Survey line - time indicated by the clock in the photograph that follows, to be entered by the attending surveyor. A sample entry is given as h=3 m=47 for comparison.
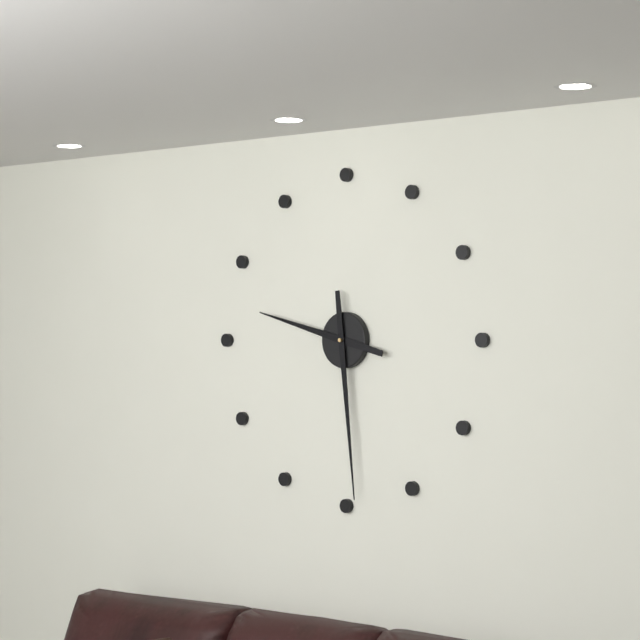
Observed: h=9 m=29
